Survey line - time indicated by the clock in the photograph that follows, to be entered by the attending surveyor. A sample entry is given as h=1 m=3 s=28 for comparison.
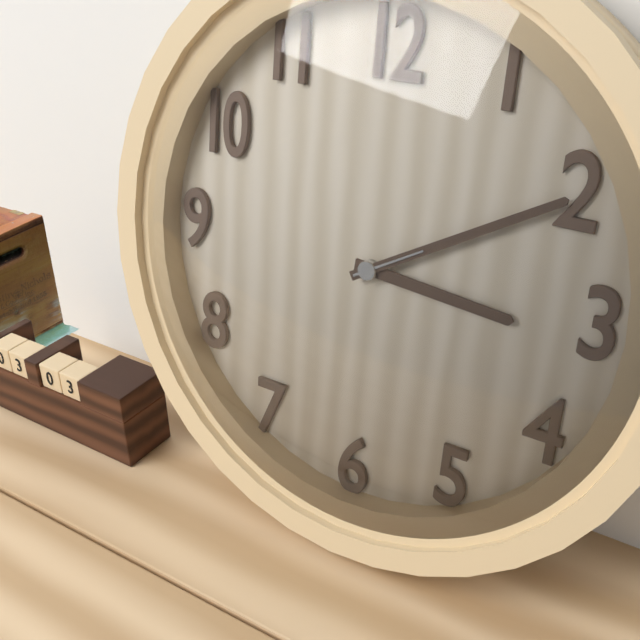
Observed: h=3 m=10 s=10
